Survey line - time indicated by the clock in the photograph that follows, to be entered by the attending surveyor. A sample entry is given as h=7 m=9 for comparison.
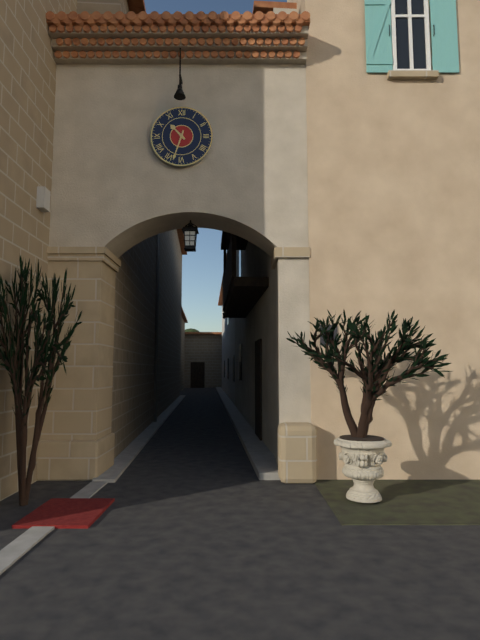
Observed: h=10 m=33
